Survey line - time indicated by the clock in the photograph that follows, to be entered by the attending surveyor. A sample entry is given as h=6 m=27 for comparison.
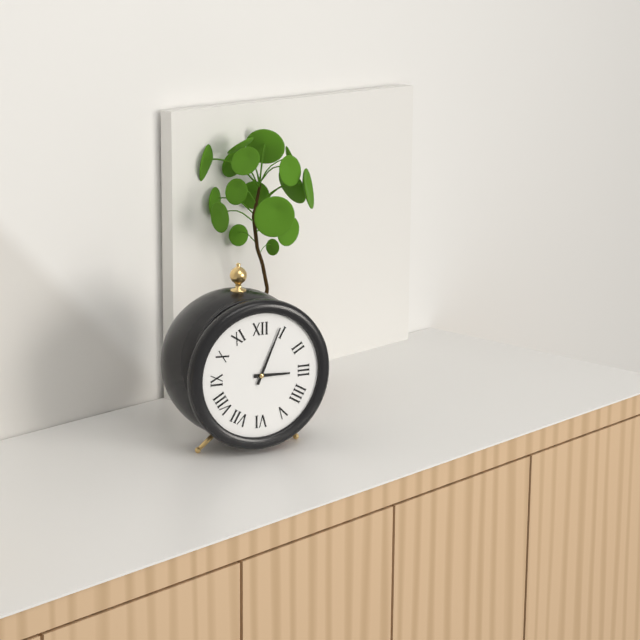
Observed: h=3 m=4
